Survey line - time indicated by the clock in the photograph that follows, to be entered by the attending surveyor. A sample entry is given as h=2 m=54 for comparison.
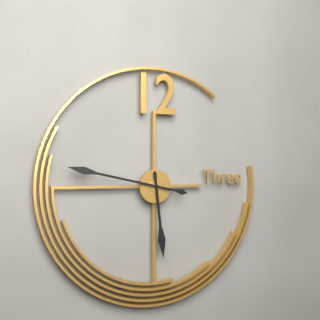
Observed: h=5 m=47
